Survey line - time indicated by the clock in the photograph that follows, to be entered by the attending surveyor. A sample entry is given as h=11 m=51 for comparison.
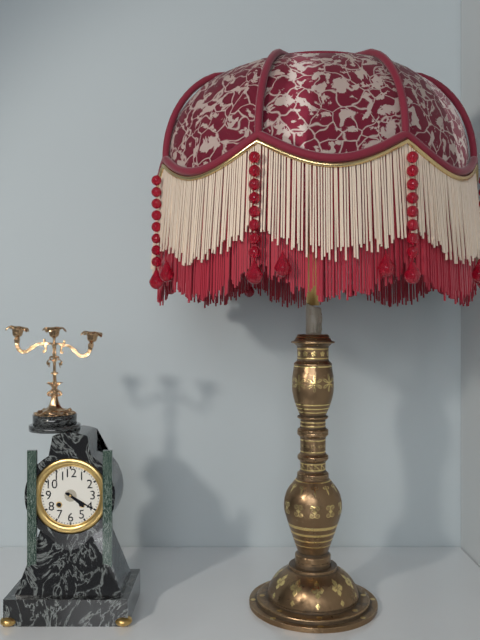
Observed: h=4 m=20
